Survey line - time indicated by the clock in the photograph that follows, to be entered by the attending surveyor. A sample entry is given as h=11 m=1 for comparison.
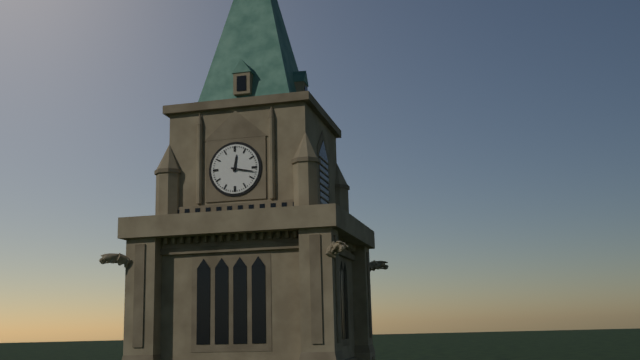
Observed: h=12 m=17
